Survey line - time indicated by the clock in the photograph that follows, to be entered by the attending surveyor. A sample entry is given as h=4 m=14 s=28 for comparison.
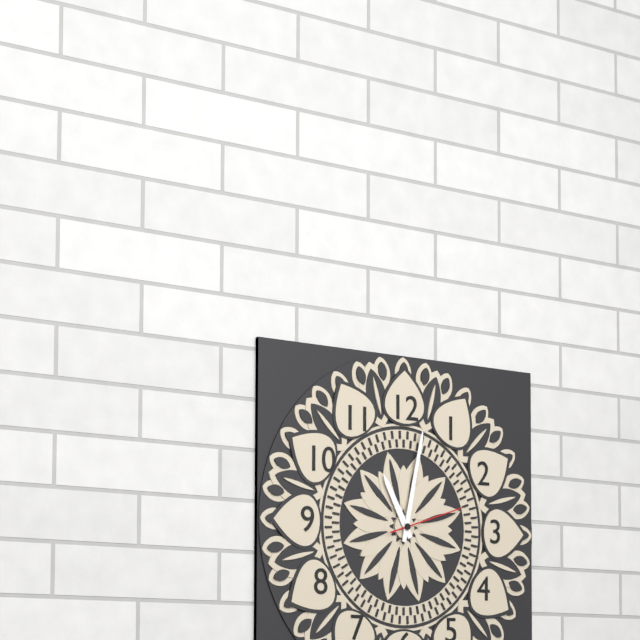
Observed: h=11 m=2 s=12
